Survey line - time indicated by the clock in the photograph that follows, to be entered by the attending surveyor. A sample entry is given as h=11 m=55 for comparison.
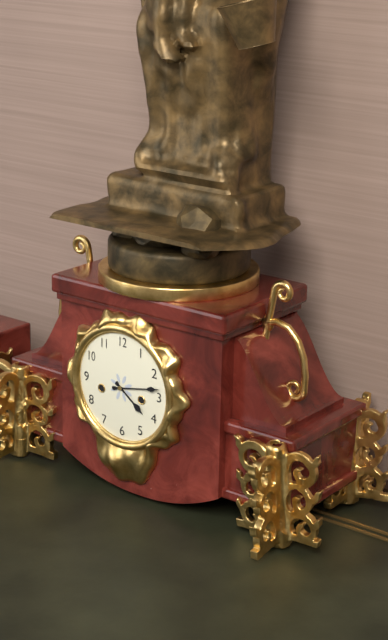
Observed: h=4 m=13
